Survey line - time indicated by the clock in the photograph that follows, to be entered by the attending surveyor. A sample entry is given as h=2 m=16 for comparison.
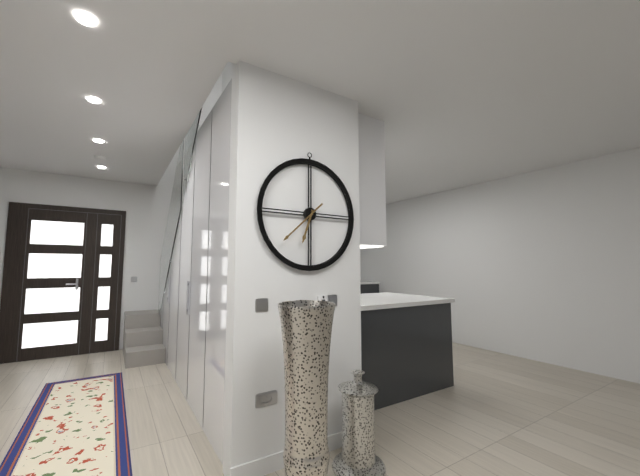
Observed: h=6 m=38
